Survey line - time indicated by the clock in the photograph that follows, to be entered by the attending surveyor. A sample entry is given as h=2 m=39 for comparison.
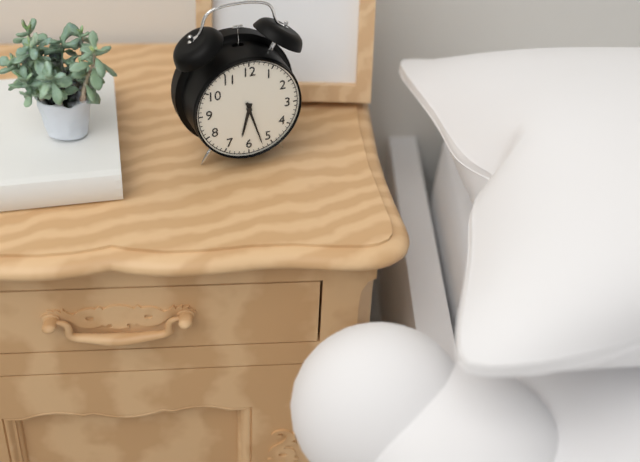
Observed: h=6 m=27
